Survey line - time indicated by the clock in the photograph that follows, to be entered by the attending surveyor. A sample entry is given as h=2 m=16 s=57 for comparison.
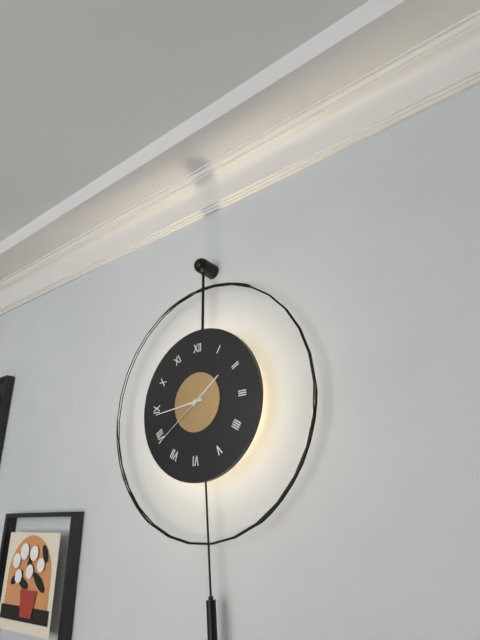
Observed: h=1 m=44 s=39
